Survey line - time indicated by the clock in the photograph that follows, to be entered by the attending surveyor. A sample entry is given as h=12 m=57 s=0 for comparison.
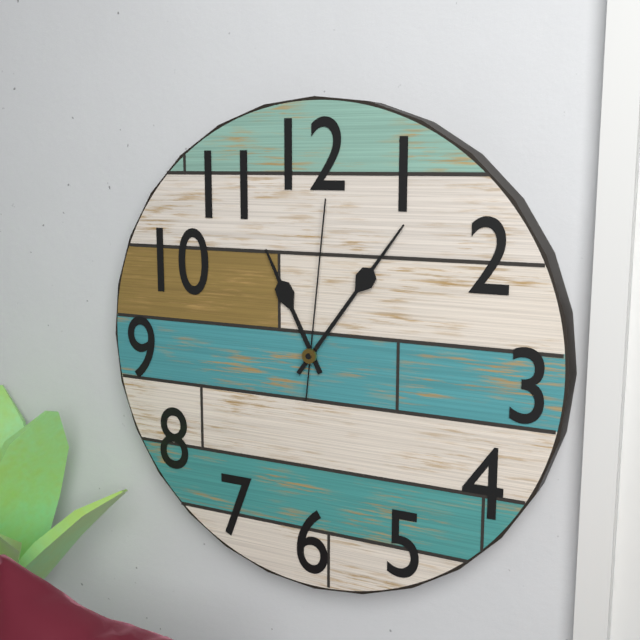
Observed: h=11 m=6 s=1
